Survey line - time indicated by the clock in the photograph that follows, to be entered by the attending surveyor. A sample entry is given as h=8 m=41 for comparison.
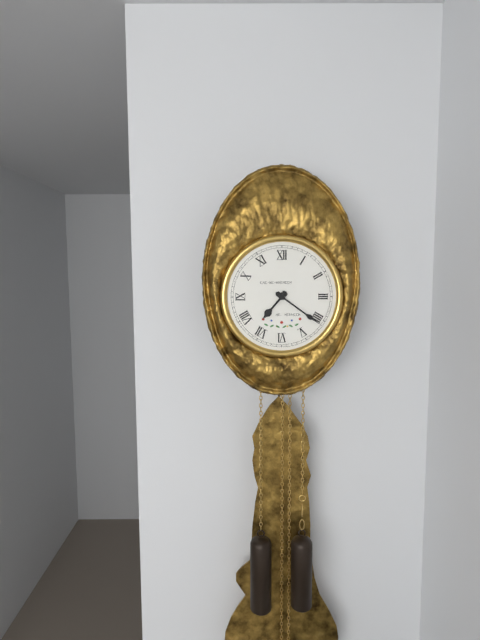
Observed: h=7 m=21
